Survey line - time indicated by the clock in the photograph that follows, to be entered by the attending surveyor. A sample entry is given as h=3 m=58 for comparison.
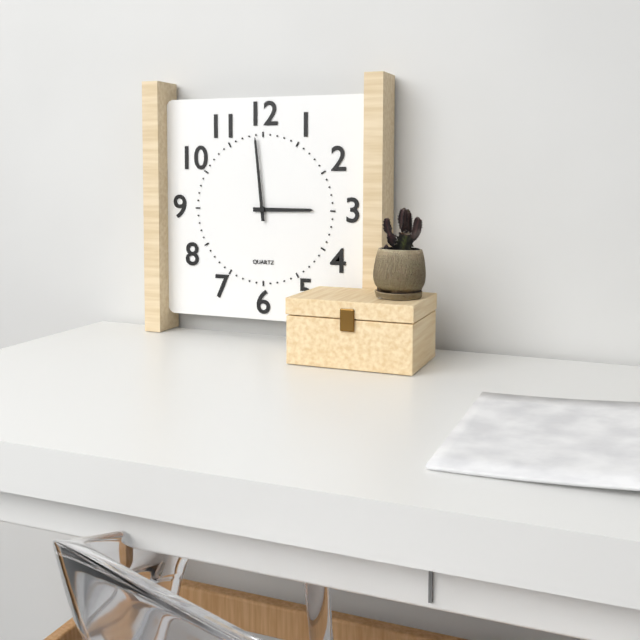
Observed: h=2 m=59
